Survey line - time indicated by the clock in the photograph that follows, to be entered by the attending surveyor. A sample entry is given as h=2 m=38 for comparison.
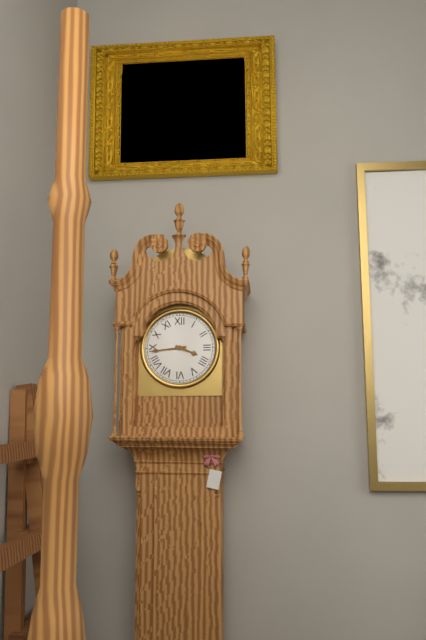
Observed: h=3 m=44
